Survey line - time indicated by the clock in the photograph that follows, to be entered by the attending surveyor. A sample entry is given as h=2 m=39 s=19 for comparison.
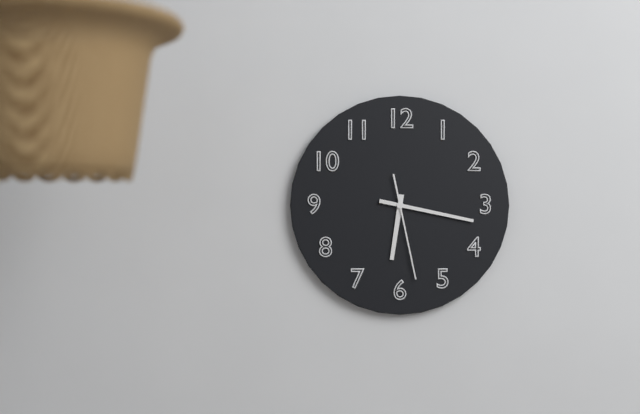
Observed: h=6 m=17 s=28
